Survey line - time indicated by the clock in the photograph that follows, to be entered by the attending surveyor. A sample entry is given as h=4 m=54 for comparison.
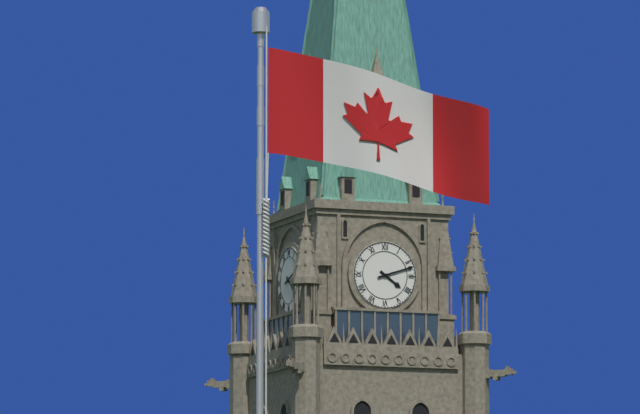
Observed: h=4 m=12
